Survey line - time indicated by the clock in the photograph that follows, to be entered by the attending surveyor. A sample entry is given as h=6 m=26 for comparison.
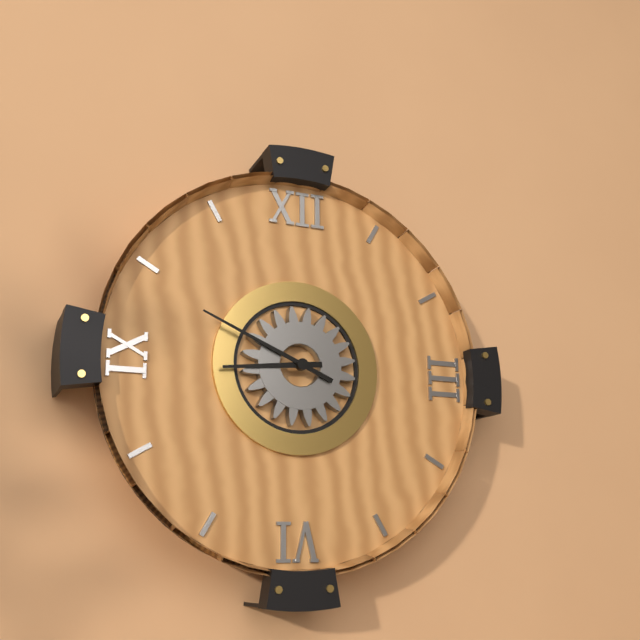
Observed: h=8 m=49
